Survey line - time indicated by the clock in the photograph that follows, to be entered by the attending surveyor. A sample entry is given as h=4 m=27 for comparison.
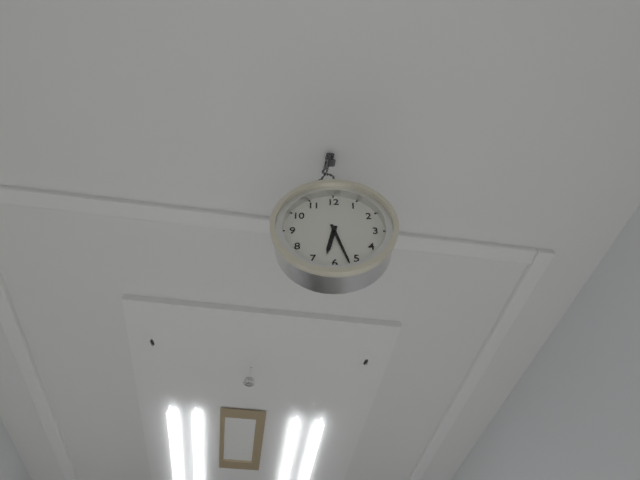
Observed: h=6 m=27
